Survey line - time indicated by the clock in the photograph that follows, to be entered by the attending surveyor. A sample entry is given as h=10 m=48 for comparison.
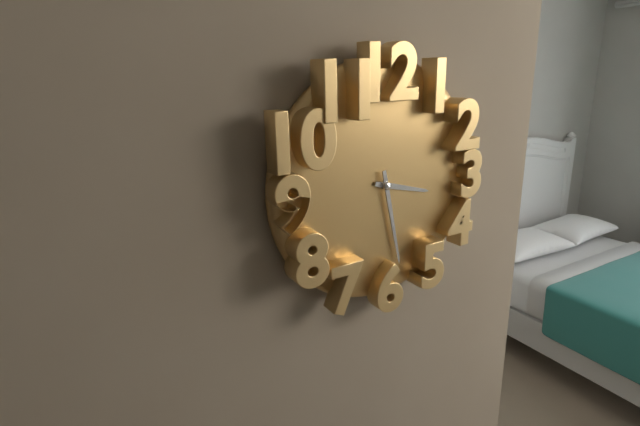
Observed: h=3 m=28
